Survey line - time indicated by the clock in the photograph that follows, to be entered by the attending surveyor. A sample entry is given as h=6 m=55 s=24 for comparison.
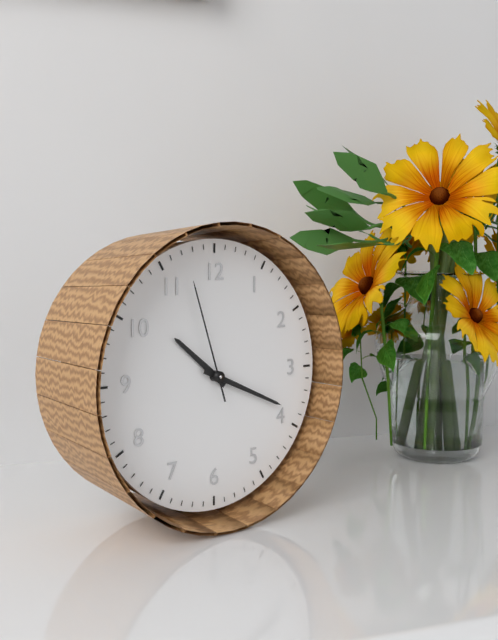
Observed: h=10 m=19 s=57
